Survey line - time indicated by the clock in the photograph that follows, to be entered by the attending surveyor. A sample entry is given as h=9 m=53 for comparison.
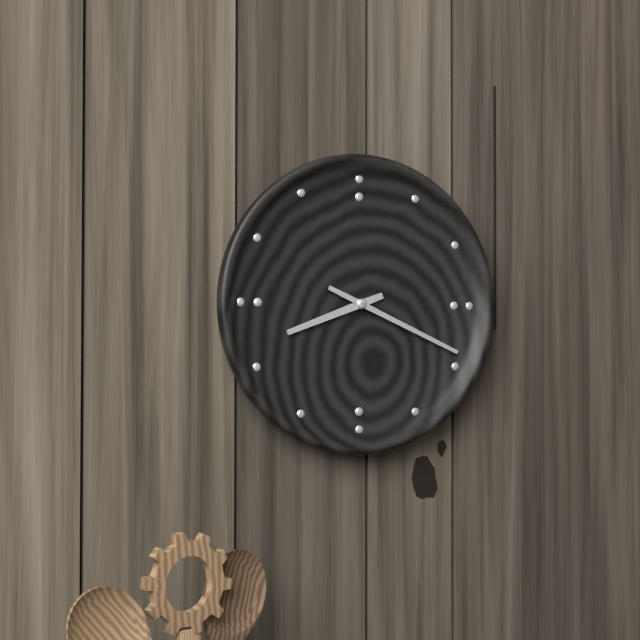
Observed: h=8 m=19
